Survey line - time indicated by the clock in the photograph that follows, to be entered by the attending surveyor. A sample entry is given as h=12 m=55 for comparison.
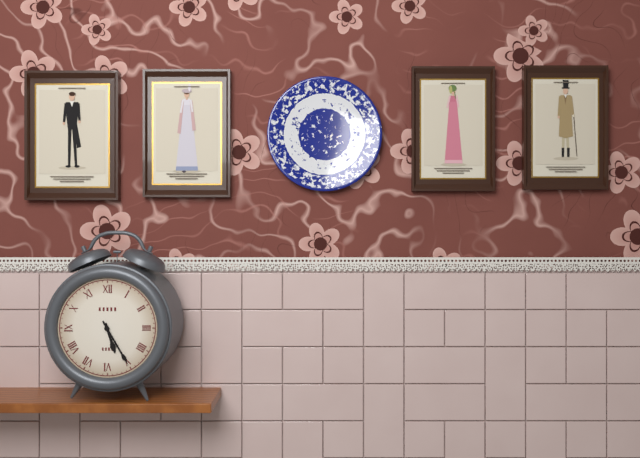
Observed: h=5 m=25
